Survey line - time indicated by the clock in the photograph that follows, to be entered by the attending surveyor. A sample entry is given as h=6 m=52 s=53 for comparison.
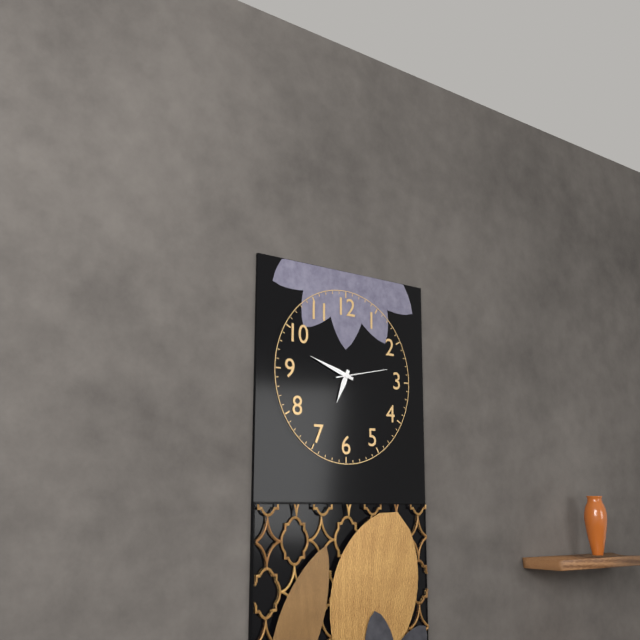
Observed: h=6 m=48 s=13
